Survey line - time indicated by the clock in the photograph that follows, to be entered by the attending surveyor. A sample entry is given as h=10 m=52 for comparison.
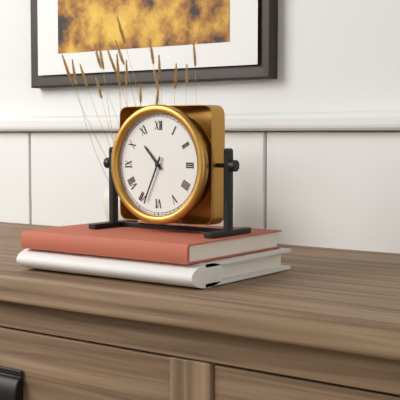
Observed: h=10 m=34
